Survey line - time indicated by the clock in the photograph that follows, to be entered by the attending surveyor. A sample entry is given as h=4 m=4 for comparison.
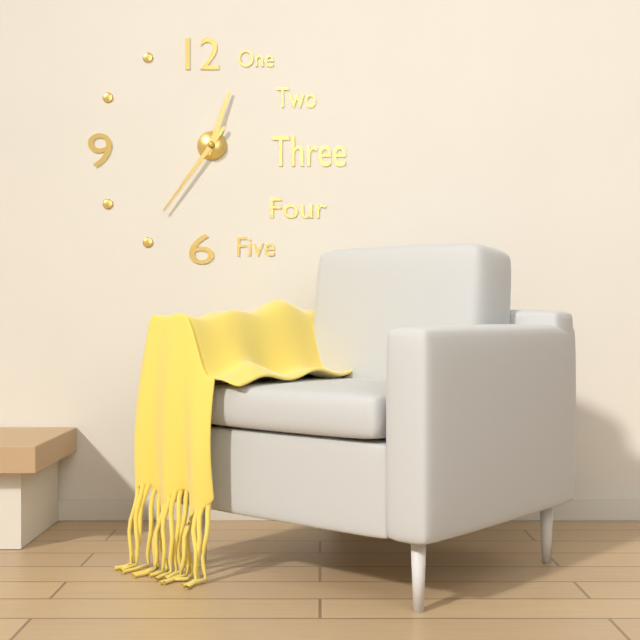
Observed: h=12 m=36
